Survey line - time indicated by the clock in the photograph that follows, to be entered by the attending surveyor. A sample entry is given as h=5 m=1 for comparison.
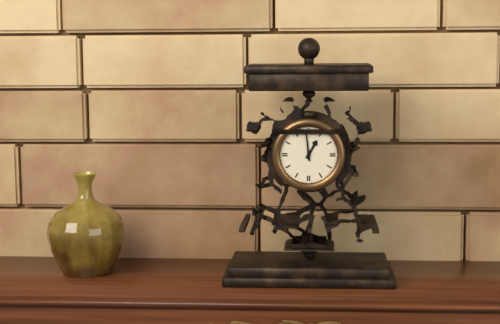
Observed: h=12 m=59
